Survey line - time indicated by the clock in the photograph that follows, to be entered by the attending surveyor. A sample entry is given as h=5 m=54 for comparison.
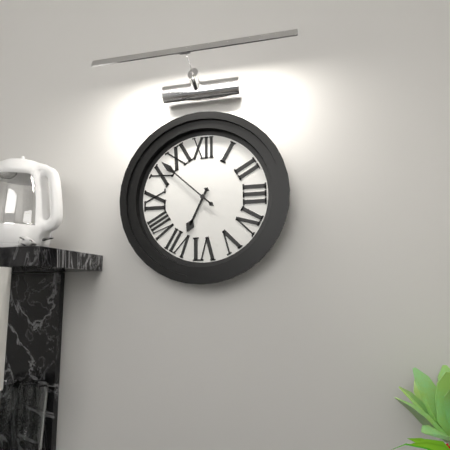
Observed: h=6 m=52
